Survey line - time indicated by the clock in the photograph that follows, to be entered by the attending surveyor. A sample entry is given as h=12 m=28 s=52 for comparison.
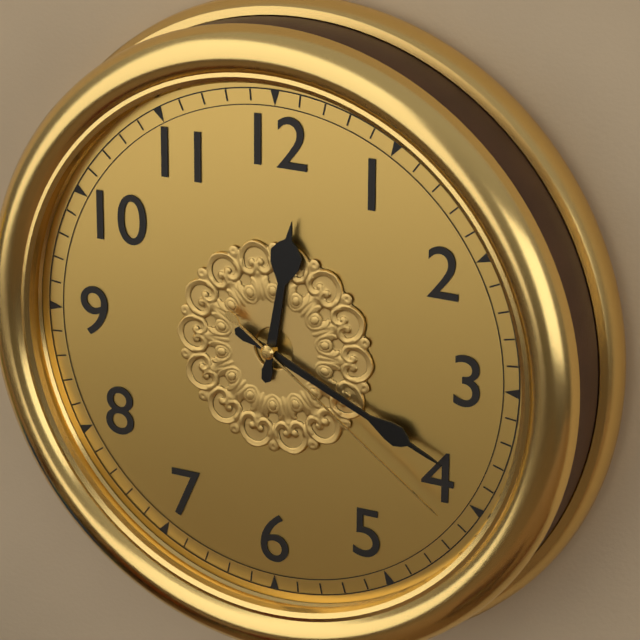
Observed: h=12 m=19 s=21
